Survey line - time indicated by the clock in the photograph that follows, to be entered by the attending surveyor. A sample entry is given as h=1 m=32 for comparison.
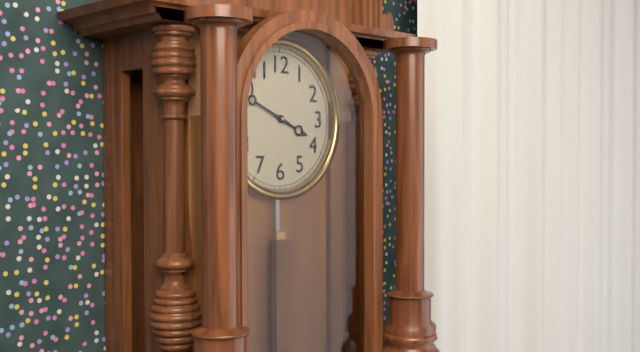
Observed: h=3 m=49
